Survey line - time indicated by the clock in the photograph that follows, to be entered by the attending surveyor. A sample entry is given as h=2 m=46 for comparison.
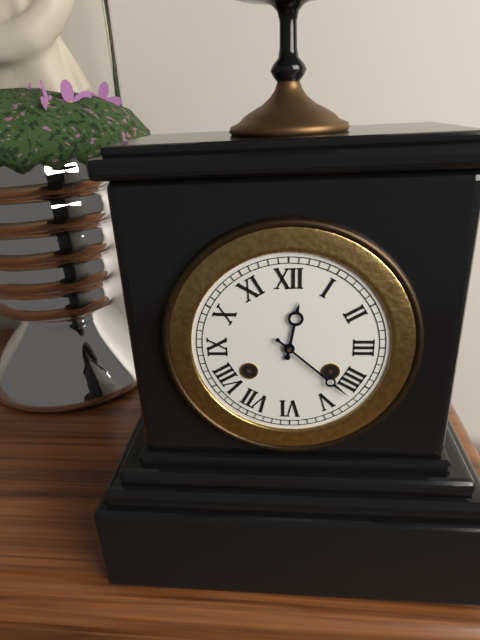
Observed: h=12 m=22
